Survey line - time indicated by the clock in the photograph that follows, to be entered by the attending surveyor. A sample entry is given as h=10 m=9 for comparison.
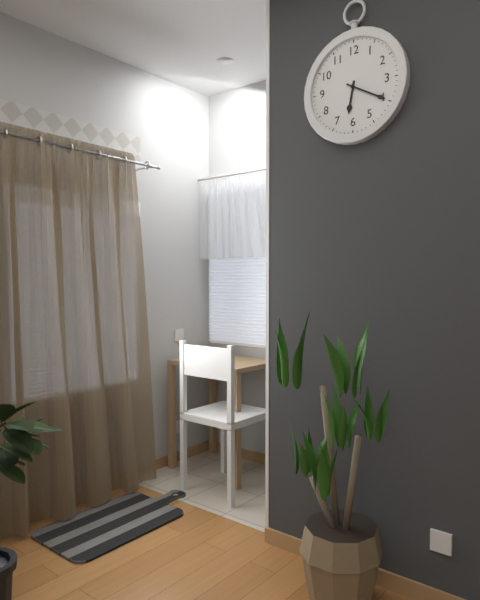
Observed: h=6 m=20
